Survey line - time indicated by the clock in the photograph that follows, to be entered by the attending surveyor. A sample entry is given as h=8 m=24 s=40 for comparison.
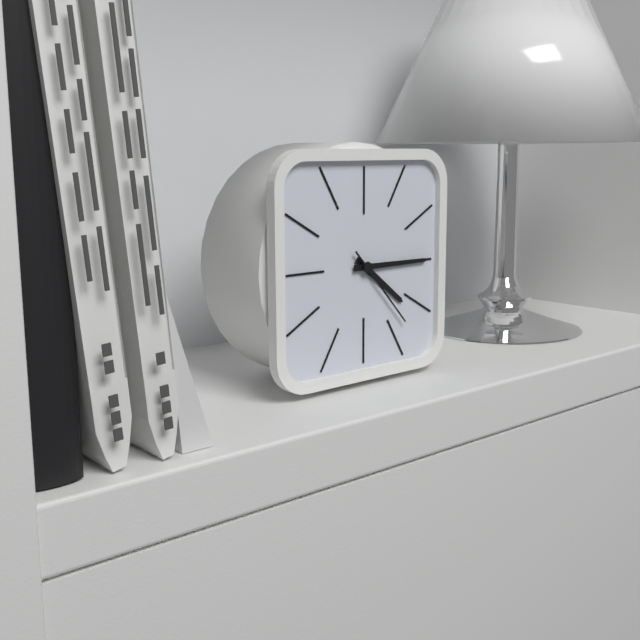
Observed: h=4 m=15 s=23
